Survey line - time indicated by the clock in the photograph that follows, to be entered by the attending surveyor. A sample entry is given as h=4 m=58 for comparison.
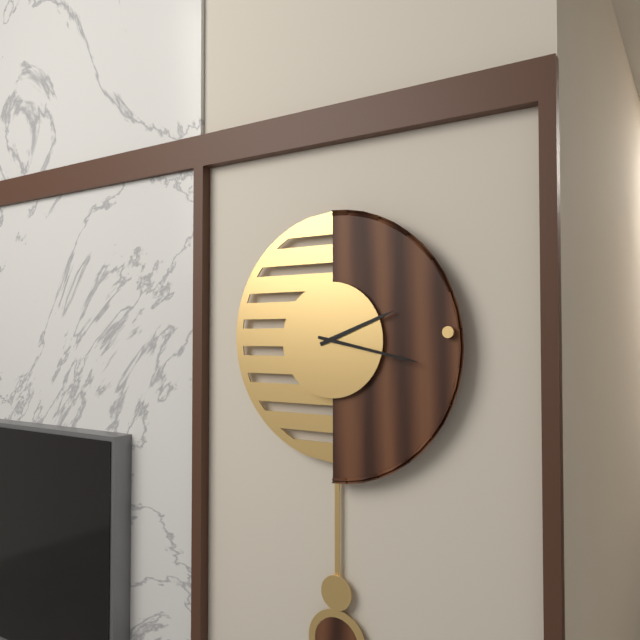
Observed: h=2 m=17
